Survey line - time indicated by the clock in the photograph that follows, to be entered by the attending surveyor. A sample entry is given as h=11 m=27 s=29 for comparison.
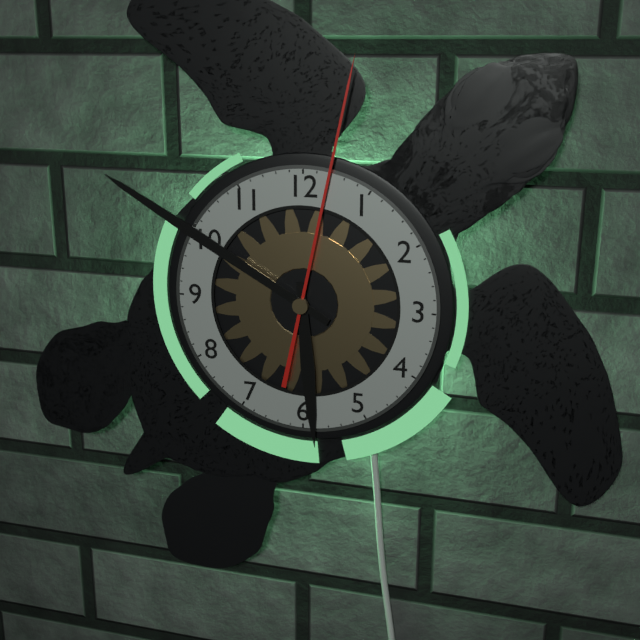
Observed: h=5 m=50 s=2
